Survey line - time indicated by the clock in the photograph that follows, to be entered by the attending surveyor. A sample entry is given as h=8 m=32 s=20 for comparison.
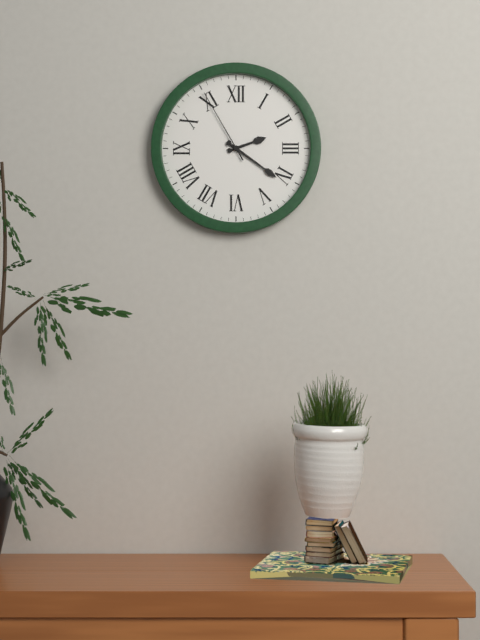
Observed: h=2 m=21 s=55
